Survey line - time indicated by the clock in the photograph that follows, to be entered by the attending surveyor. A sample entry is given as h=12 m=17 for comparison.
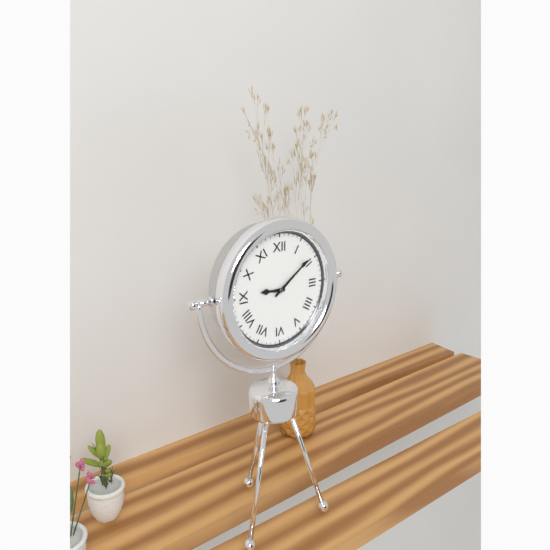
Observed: h=9 m=9
